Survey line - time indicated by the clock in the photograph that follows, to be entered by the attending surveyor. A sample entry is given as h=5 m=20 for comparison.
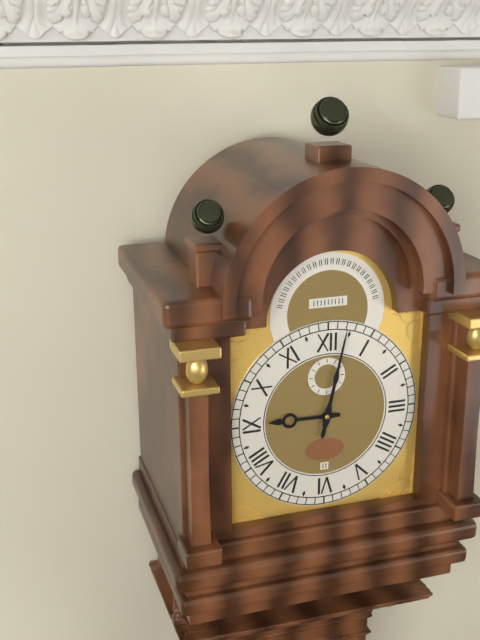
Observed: h=9 m=2
